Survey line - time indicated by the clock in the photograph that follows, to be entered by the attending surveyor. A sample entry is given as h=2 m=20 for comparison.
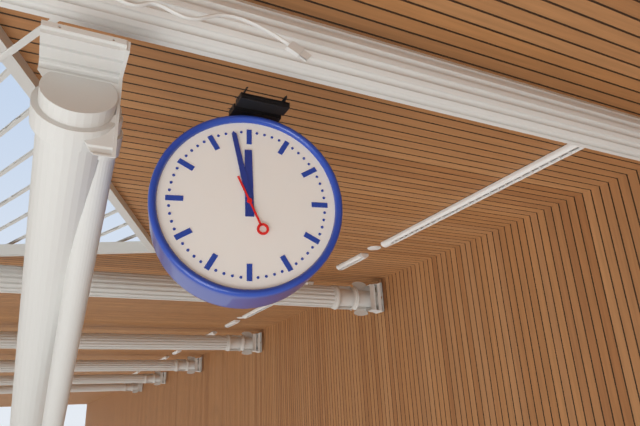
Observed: h=11 m=58
